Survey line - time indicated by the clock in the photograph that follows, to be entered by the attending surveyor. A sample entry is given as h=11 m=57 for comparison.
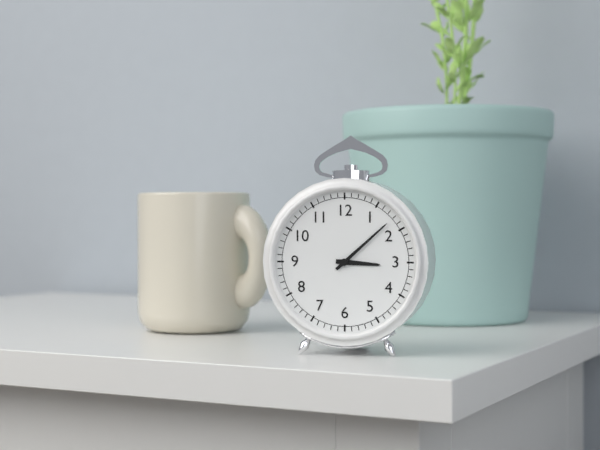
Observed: h=3 m=8
